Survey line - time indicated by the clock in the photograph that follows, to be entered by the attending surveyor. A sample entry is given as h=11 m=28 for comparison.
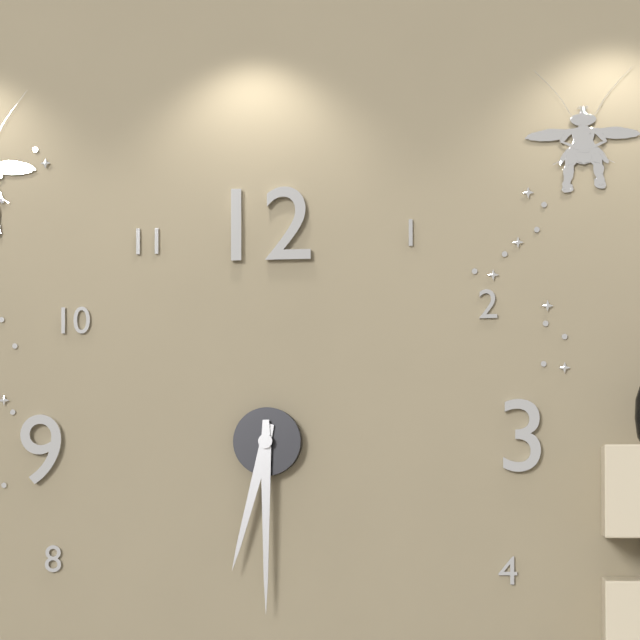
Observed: h=6 m=30
